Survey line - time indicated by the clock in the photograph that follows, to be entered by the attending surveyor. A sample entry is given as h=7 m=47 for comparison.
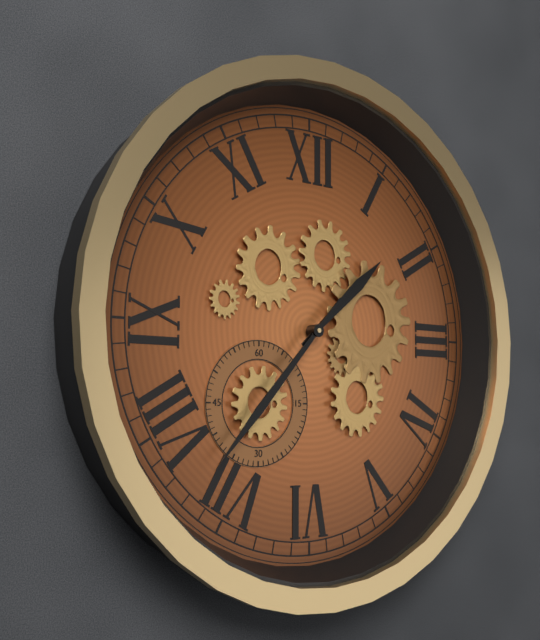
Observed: h=1 m=37
